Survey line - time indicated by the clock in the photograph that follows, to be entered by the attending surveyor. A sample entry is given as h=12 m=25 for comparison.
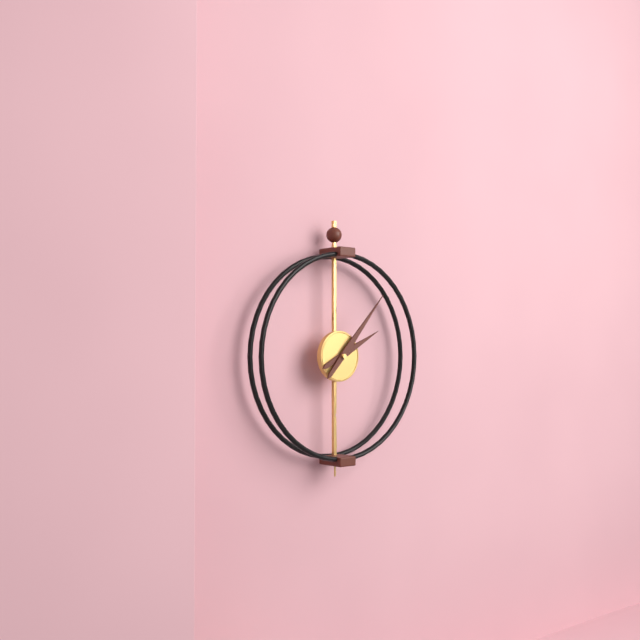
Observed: h=2 m=7
